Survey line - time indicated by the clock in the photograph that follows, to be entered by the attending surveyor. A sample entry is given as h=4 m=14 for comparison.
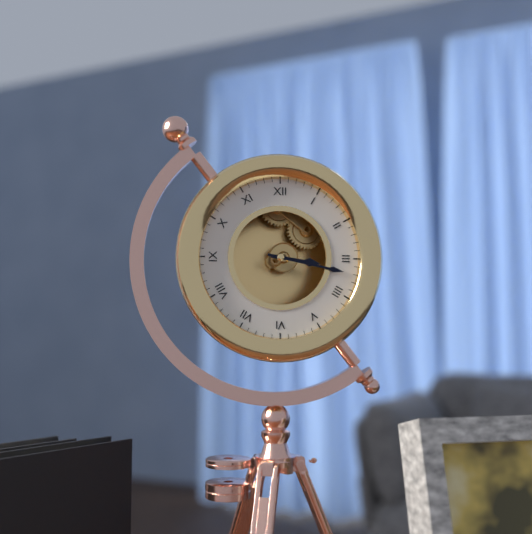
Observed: h=3 m=17
